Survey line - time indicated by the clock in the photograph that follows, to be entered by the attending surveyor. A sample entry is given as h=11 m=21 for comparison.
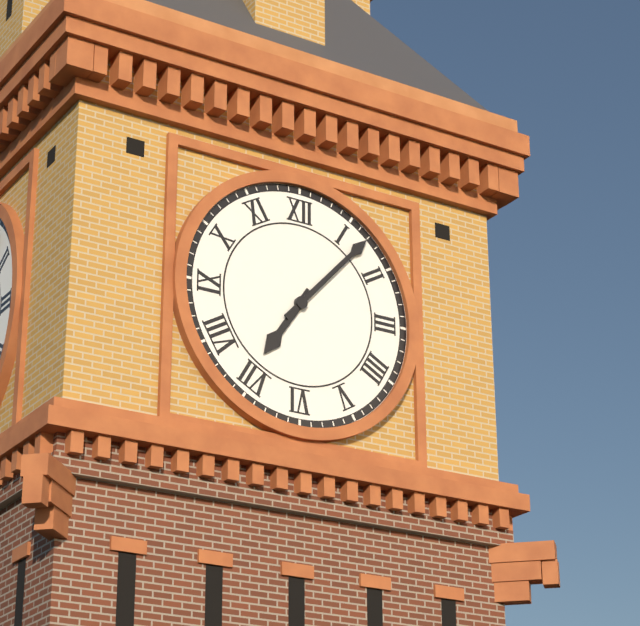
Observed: h=7 m=7
